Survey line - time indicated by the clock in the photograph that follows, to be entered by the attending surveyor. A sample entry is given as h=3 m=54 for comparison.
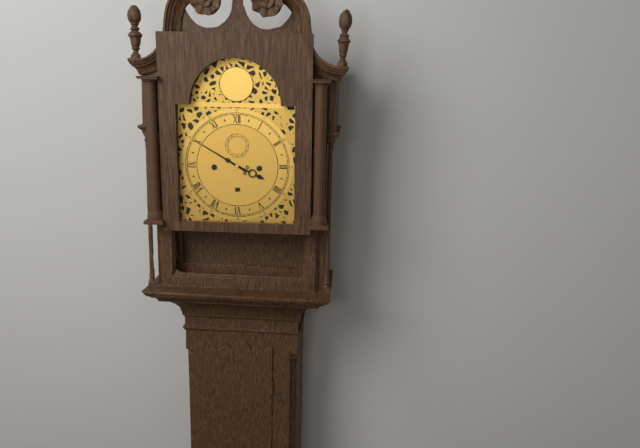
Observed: h=3 m=50
